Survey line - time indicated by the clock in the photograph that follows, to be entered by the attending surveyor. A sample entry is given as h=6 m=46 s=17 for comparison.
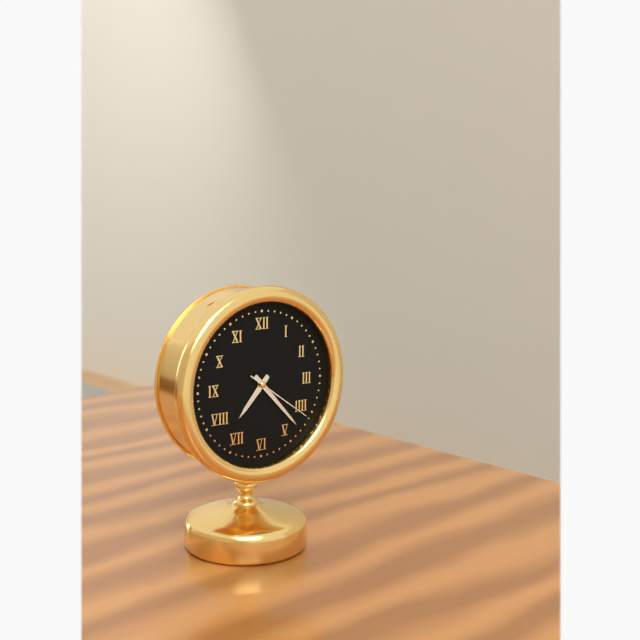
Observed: h=7 m=23 s=21
